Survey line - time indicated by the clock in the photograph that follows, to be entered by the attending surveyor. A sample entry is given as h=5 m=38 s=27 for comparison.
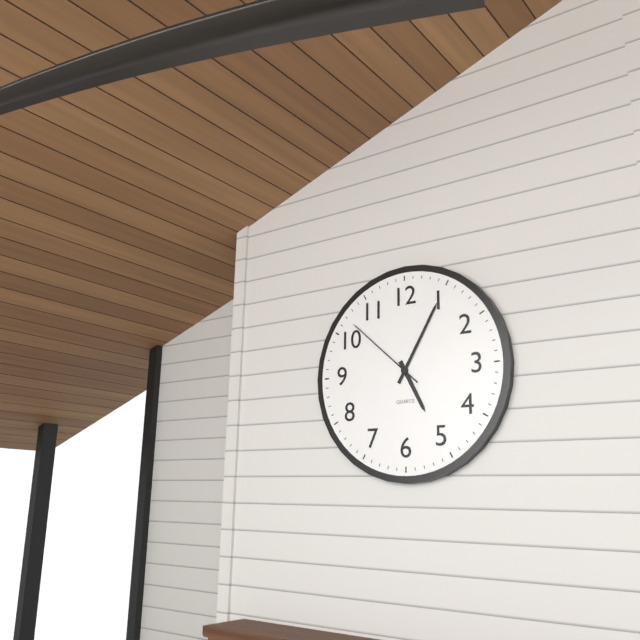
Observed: h=5 m=5 s=52
